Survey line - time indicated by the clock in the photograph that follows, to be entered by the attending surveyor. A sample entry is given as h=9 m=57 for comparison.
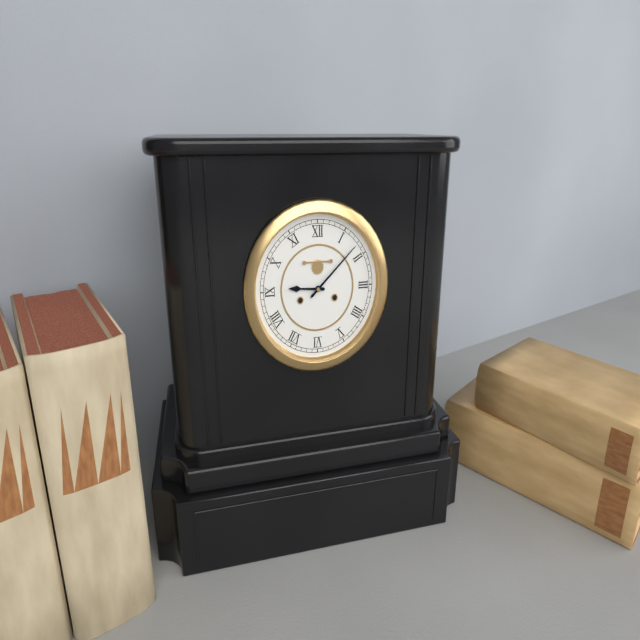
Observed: h=9 m=8
